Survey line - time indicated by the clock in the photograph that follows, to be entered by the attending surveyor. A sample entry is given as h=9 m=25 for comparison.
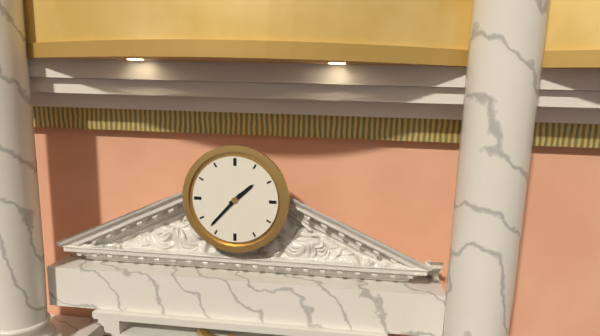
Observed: h=1 m=37
